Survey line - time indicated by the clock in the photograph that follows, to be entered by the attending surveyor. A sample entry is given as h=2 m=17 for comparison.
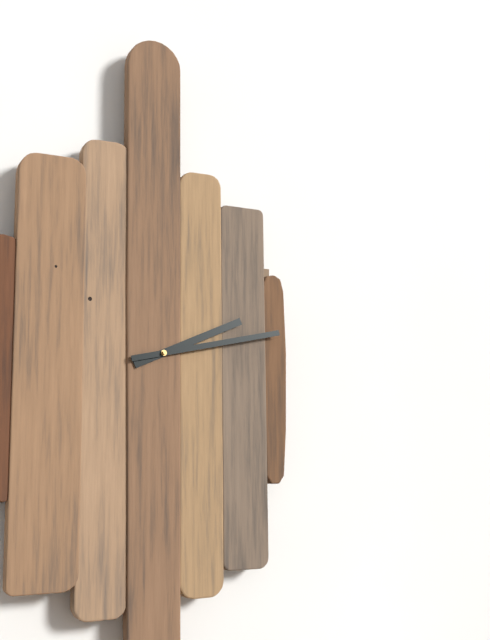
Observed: h=2 m=13
